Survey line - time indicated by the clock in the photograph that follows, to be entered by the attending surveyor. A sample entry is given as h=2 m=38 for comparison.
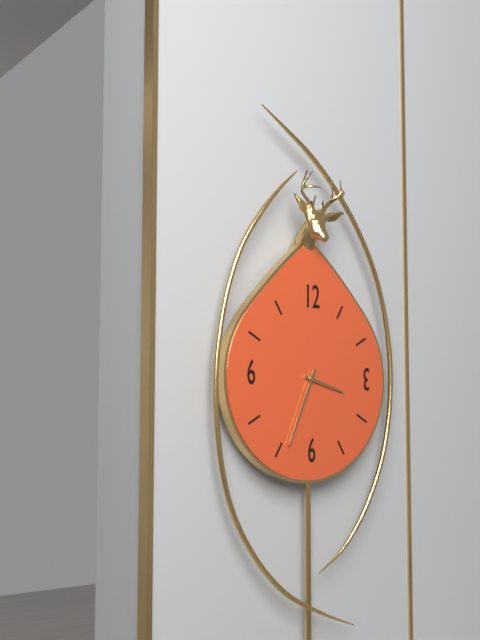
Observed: h=3 m=34
